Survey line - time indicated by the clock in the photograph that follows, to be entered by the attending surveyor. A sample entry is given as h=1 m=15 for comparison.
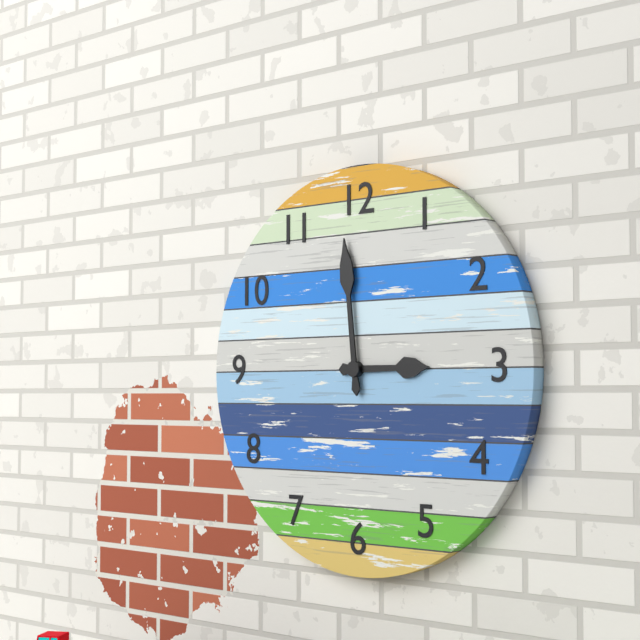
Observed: h=2 m=59
